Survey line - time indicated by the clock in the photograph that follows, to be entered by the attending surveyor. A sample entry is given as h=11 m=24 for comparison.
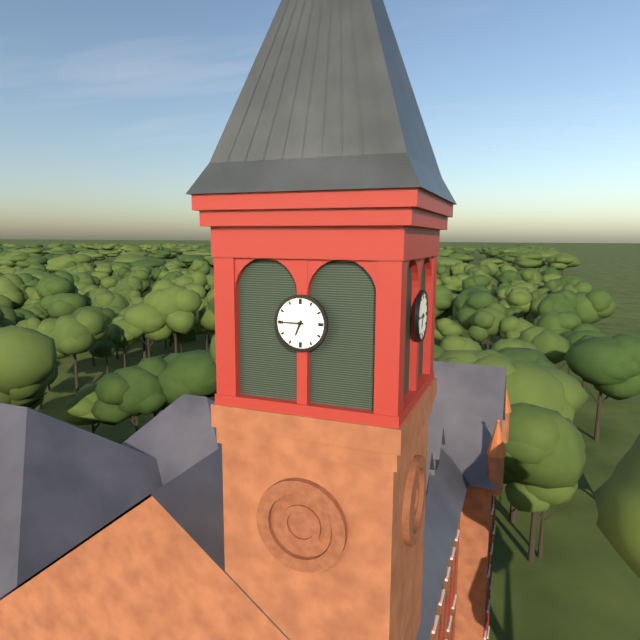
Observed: h=6 m=45
